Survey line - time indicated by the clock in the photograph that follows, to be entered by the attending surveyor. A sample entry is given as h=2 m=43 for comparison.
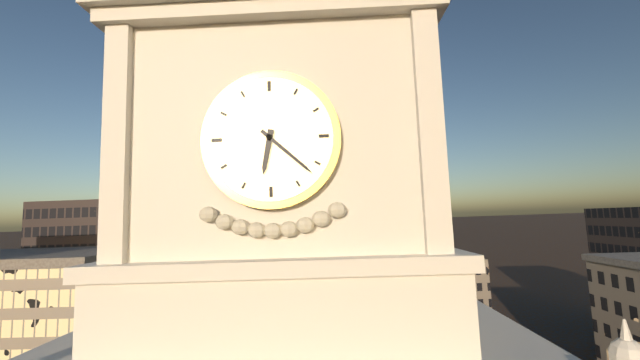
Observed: h=6 m=22
